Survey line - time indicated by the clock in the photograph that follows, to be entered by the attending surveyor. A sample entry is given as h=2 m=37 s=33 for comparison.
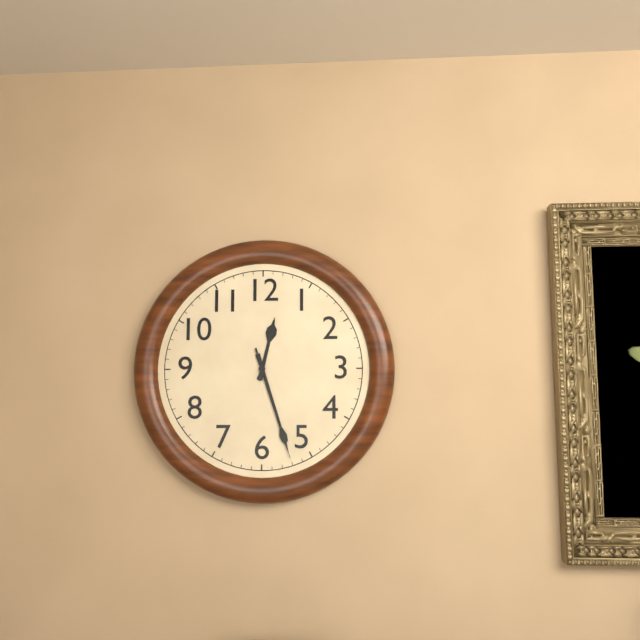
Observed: h=12 m=27 s=27
